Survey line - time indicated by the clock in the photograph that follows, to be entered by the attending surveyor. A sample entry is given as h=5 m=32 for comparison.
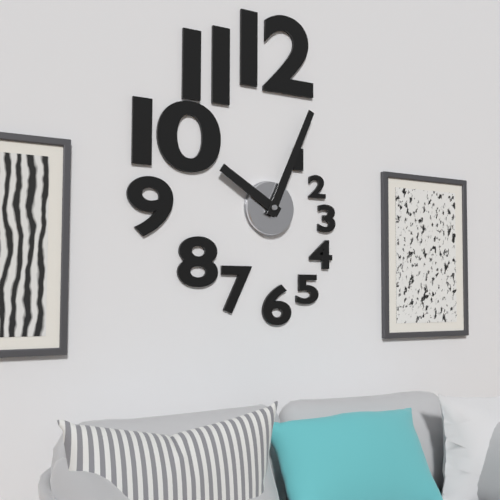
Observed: h=10 m=4
